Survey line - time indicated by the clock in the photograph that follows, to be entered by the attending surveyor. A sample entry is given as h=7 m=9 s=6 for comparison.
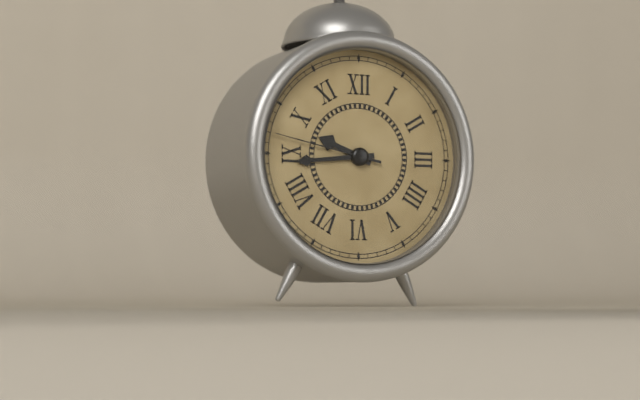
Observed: h=9 m=44 s=47
